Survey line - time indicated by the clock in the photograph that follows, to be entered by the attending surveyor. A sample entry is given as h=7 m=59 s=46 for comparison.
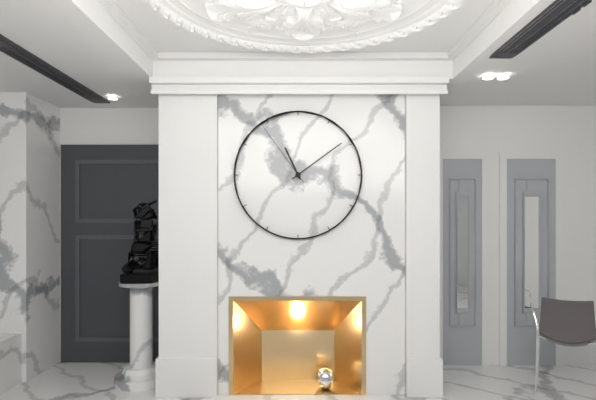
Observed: h=11 m=9 s=54
